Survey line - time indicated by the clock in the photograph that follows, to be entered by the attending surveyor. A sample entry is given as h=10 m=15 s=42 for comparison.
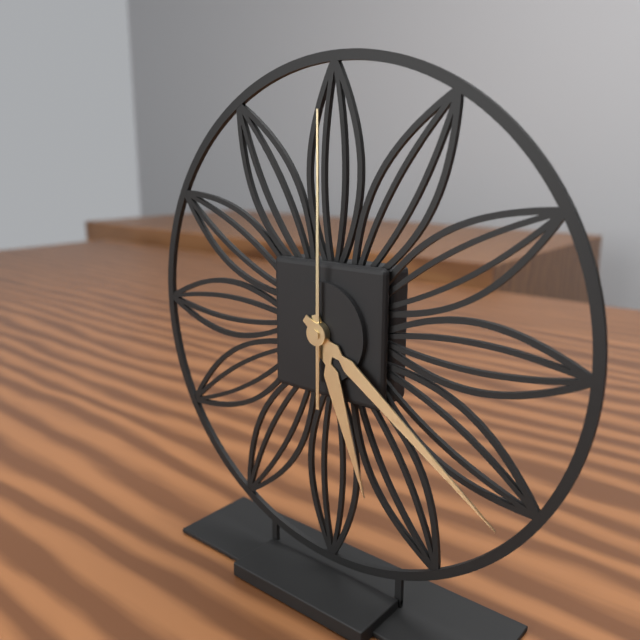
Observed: h=5 m=21 s=0
